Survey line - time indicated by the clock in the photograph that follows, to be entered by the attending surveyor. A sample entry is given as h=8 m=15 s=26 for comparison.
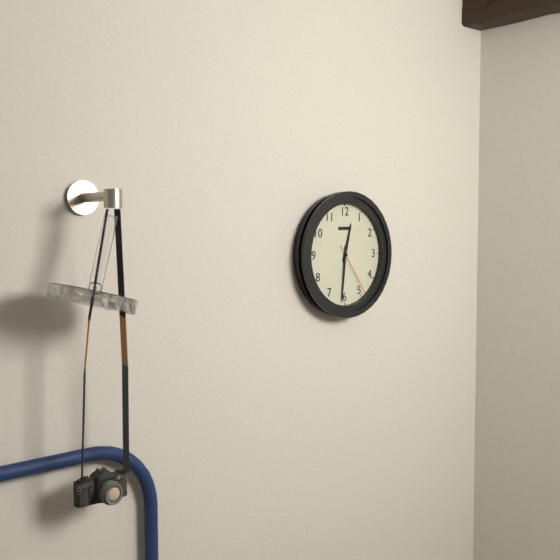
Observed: h=12 m=31 s=24
